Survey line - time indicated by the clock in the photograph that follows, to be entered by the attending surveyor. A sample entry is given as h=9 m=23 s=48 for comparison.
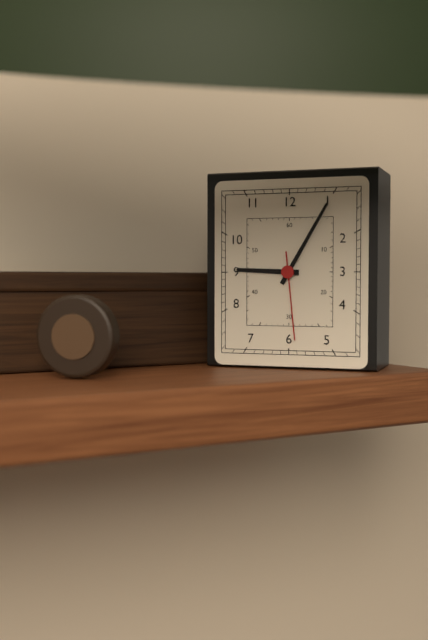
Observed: h=9 m=5 s=29
